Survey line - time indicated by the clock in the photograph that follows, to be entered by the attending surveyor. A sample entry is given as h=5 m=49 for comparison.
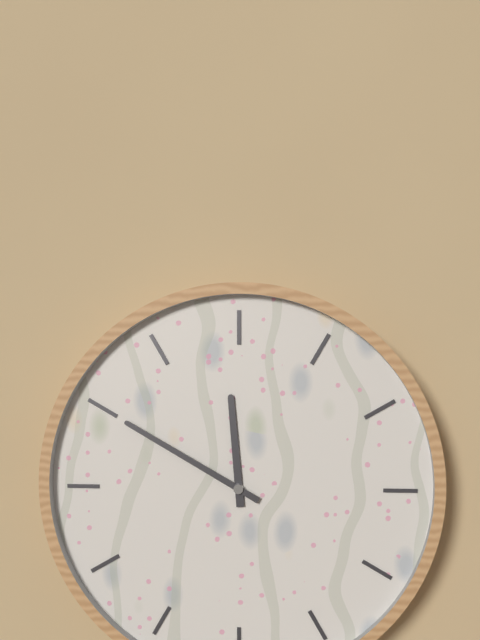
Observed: h=11 m=50
